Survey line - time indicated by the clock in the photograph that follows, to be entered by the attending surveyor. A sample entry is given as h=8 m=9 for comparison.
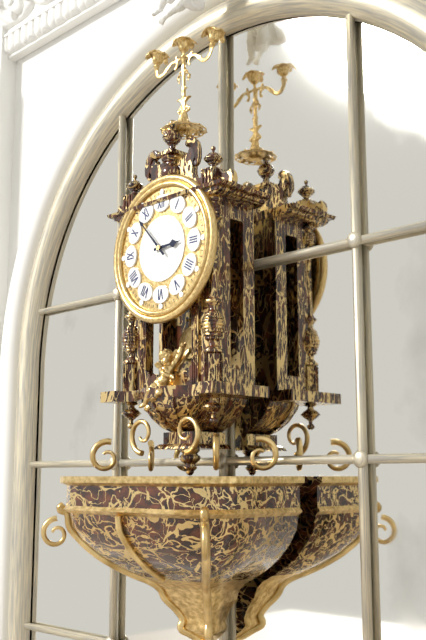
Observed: h=2 m=53
